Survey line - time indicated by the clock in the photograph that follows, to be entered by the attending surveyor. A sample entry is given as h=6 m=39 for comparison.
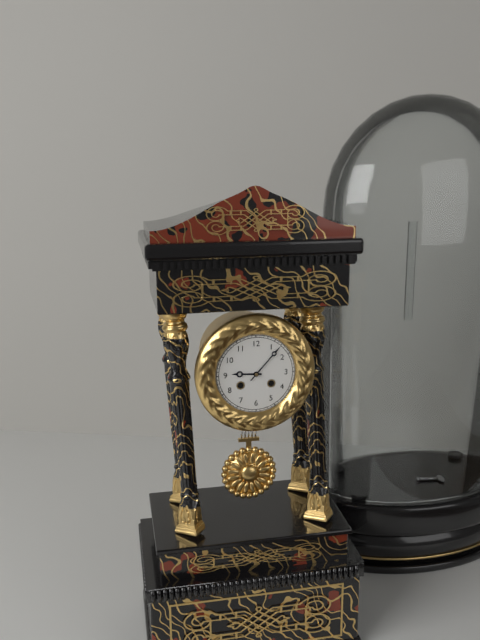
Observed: h=9 m=7
